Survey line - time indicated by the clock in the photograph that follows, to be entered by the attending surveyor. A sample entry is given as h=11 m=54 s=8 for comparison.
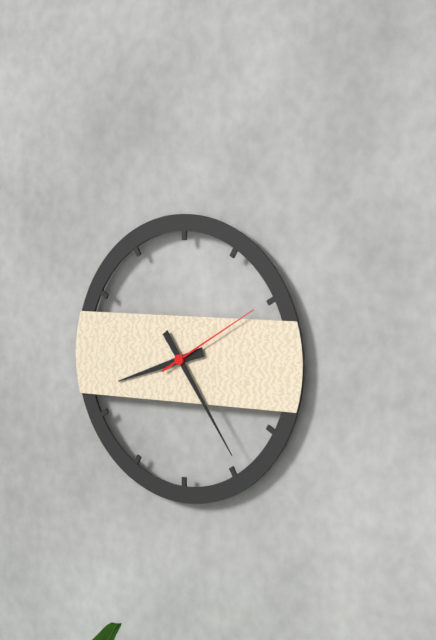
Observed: h=8 m=24 s=10
